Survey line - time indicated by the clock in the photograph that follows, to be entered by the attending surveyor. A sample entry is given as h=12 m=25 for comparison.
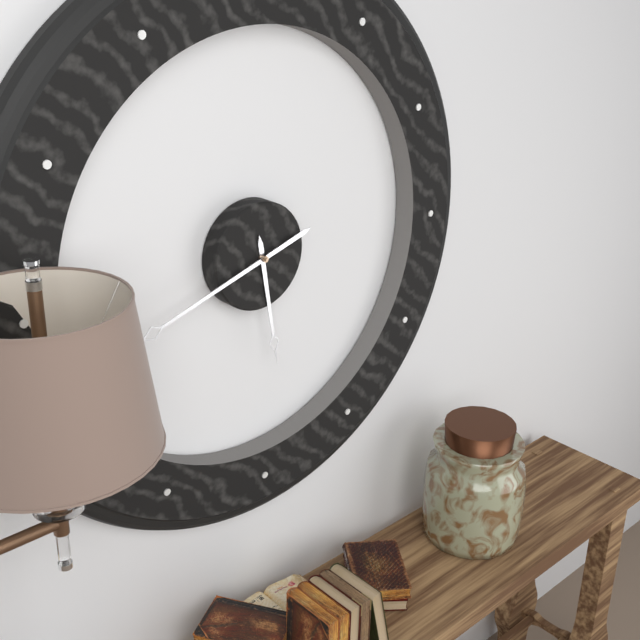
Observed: h=5 m=42
